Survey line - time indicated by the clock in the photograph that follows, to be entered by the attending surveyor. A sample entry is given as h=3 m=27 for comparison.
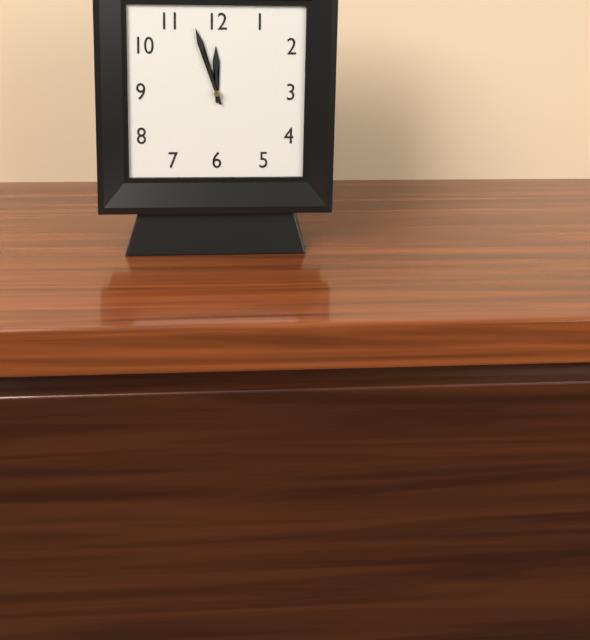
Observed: h=11 m=57
